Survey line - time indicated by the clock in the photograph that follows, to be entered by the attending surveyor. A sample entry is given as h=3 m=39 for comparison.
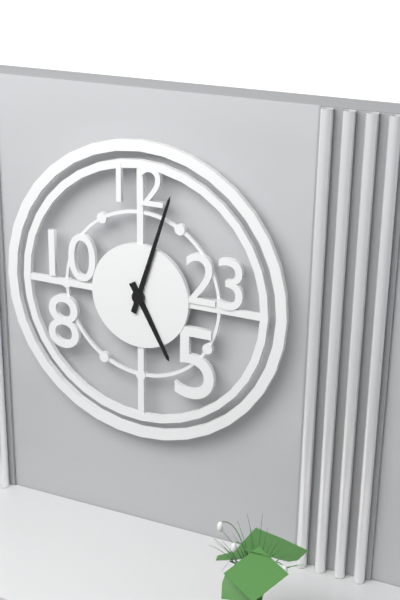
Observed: h=5 m=3
